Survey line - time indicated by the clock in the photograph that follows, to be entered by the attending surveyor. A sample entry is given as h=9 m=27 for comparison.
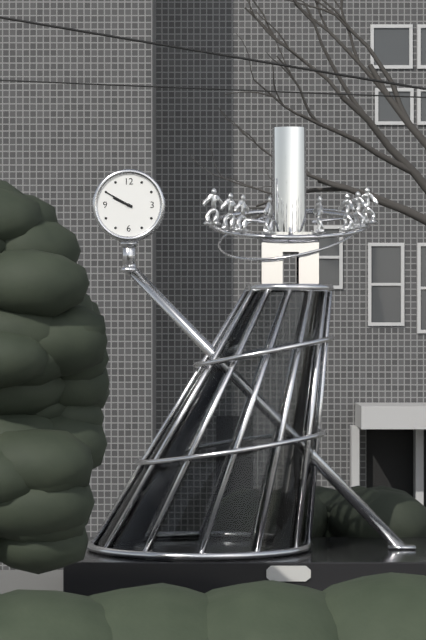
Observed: h=9 m=50
